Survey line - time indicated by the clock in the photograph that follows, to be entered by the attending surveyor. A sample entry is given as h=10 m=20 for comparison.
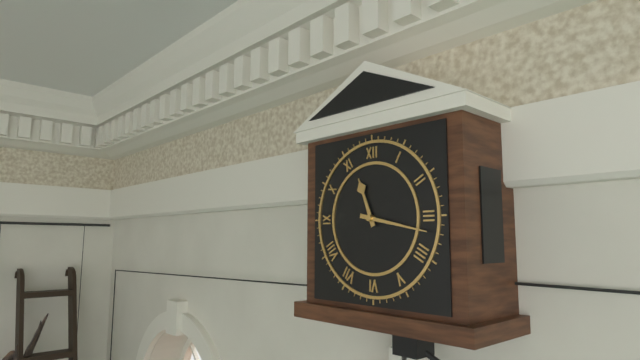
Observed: h=11 m=17
